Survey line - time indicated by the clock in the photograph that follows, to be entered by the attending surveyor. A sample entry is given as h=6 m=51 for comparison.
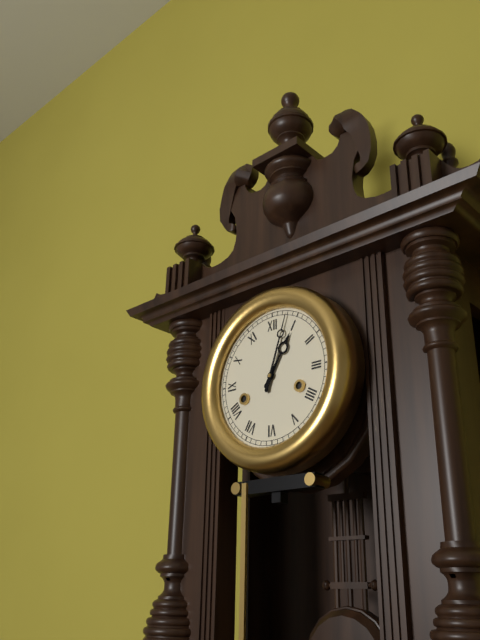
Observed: h=1 m=3
